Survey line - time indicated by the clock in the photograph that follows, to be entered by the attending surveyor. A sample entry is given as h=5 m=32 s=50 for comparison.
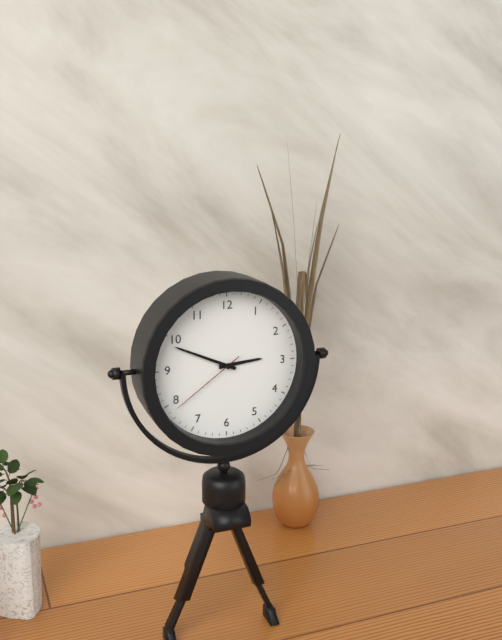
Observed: h=2 m=49 s=39
